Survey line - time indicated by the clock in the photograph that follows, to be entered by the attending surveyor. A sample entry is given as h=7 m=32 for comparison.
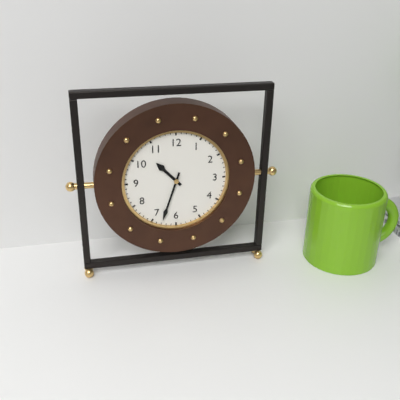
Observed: h=10 m=33
